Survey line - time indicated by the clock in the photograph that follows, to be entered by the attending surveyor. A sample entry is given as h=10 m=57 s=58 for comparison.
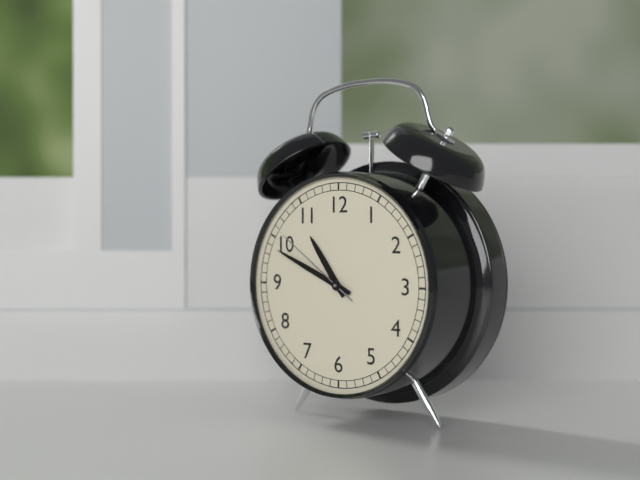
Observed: h=10 m=49 s=51
